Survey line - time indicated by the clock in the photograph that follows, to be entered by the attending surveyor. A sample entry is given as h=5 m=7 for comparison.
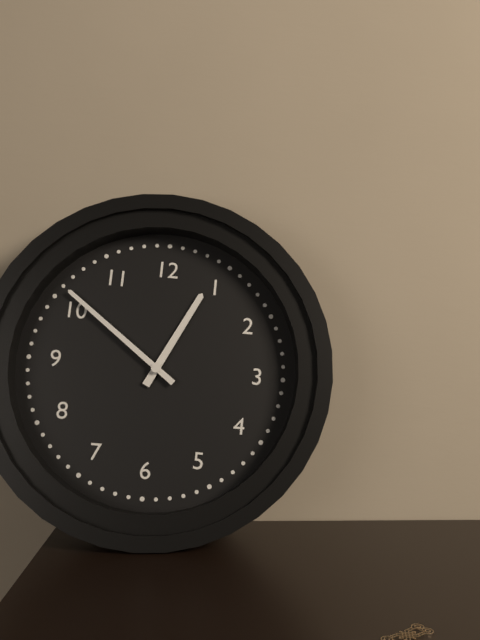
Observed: h=12 m=51
